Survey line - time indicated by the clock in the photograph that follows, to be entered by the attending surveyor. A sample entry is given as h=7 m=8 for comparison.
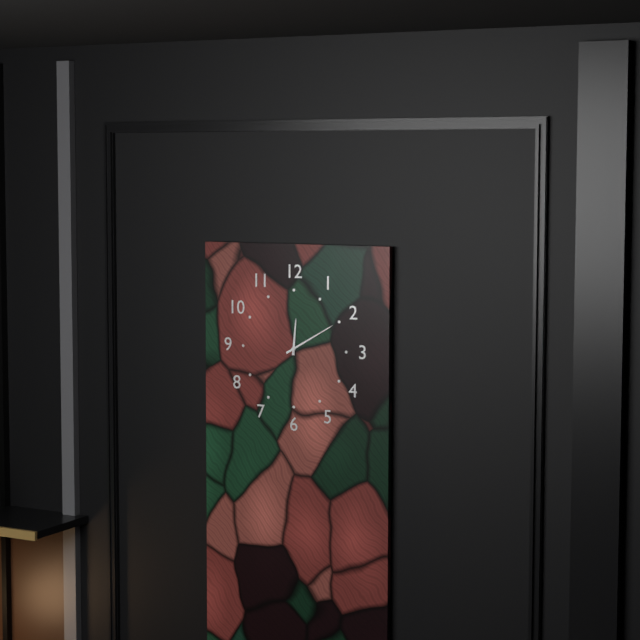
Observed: h=12 m=10
